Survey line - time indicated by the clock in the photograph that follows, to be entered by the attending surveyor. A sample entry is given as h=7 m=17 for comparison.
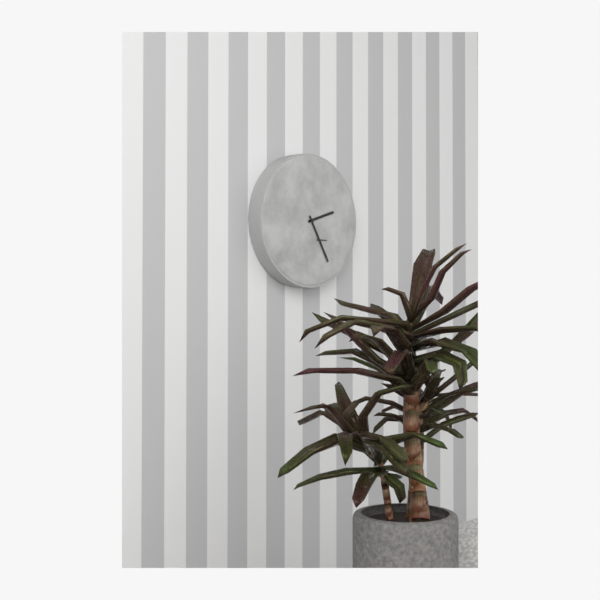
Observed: h=2 m=25
